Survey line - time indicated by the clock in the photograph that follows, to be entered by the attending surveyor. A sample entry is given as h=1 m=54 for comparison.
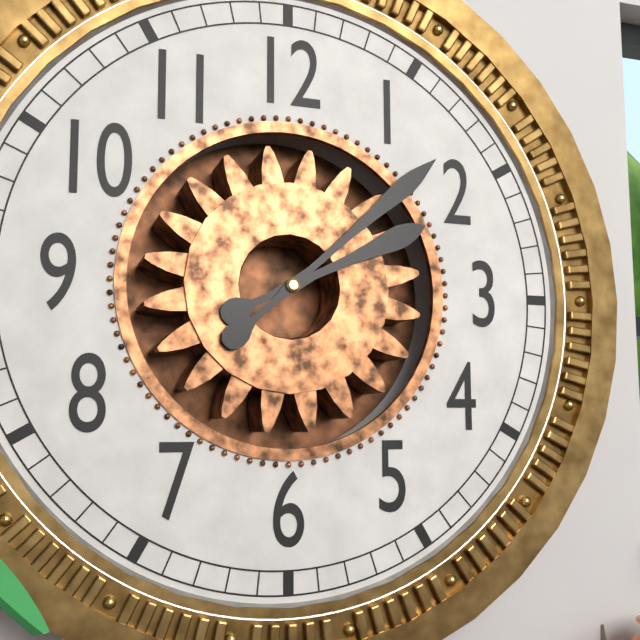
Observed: h=2 m=8
